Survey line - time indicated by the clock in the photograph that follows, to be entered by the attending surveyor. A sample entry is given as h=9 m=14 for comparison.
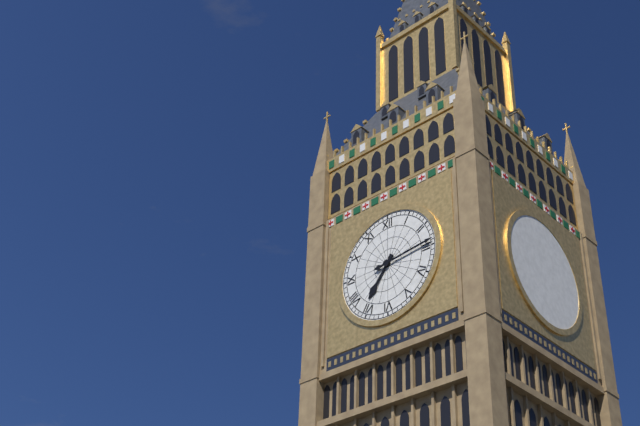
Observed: h=7 m=14
